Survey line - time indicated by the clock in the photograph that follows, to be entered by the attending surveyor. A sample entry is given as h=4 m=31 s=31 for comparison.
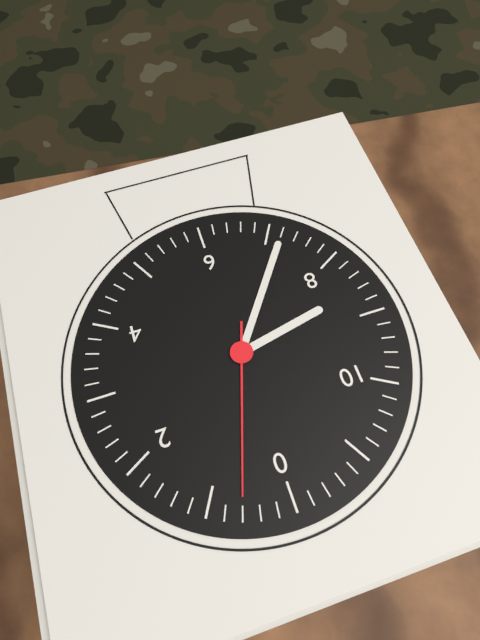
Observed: h=8 m=36 s=3
